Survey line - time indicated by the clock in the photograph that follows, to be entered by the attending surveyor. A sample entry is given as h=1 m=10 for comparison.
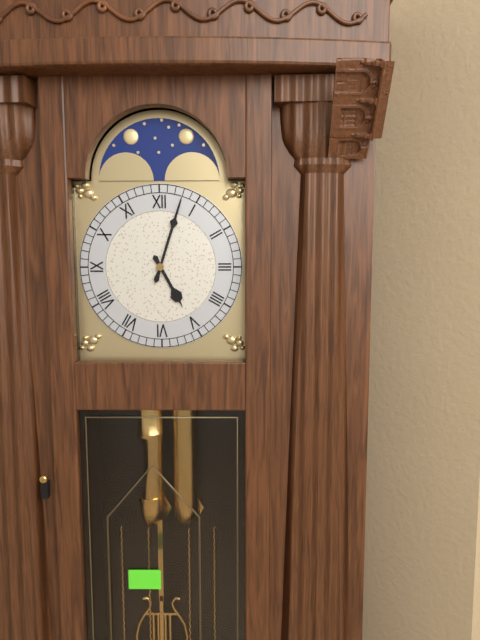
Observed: h=5 m=3
